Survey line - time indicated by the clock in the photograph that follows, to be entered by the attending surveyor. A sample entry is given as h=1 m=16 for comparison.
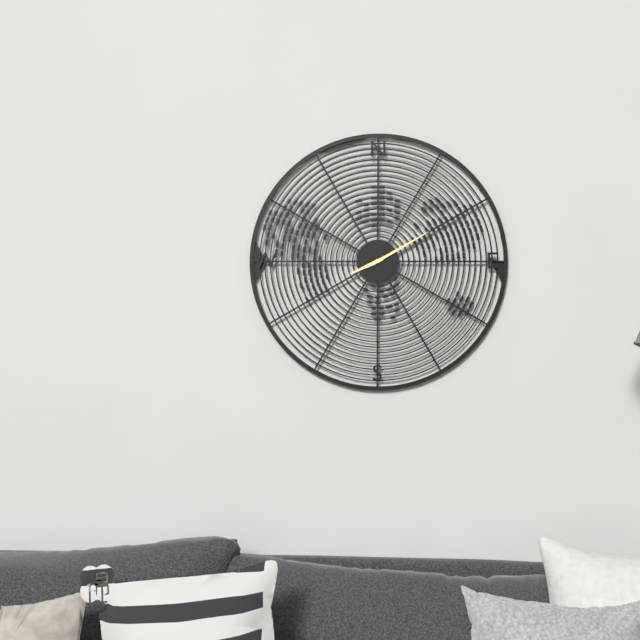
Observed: h=8 m=10
